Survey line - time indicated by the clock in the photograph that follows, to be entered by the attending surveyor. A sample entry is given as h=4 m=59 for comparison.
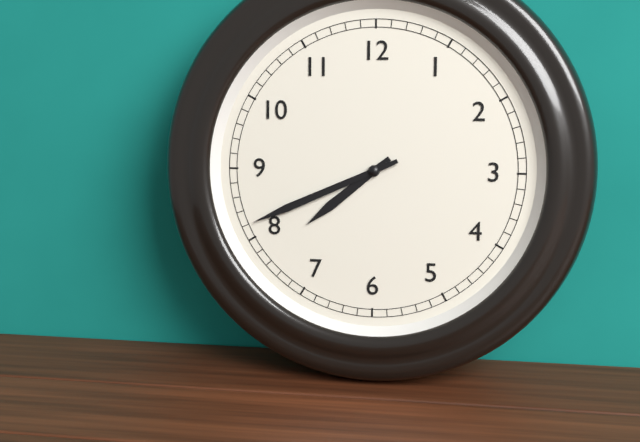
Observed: h=7 m=41
